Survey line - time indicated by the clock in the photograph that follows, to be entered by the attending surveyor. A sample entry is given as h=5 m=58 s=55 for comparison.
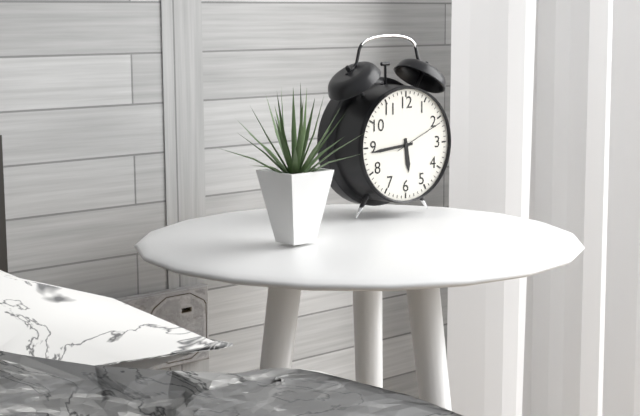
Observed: h=5 m=44 s=11
